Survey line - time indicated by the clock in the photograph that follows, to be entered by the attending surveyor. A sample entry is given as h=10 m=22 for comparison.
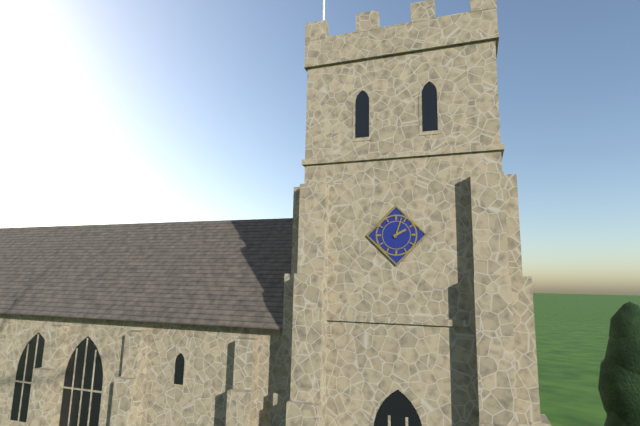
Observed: h=2 m=3
